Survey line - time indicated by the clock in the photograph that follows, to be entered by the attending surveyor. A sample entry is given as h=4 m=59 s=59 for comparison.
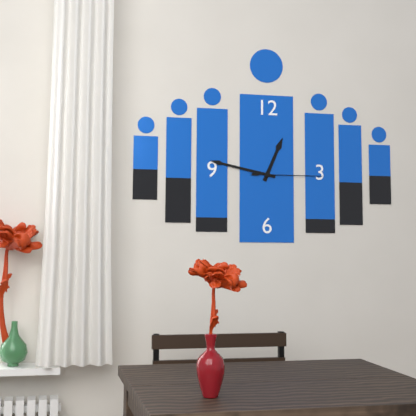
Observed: h=12 m=47 s=15
